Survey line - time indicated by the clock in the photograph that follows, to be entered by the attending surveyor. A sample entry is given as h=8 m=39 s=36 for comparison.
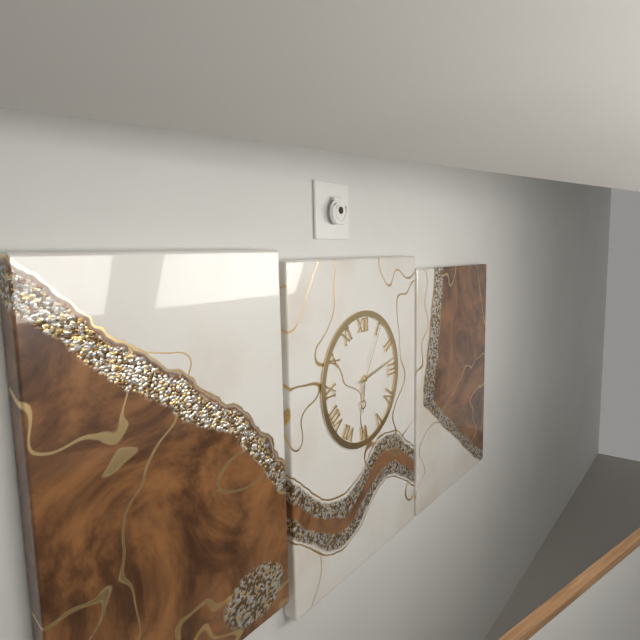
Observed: h=6 m=13 s=5
